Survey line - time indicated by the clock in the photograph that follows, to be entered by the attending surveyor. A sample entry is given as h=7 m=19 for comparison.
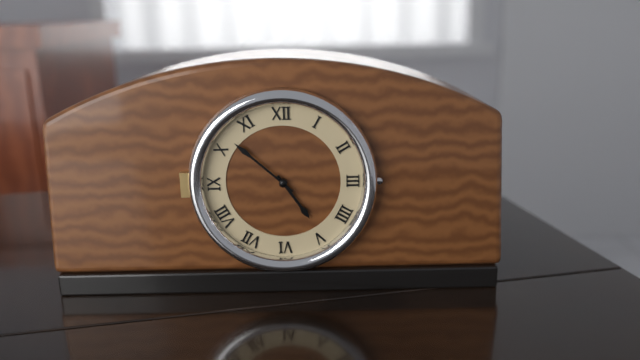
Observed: h=4 m=52
